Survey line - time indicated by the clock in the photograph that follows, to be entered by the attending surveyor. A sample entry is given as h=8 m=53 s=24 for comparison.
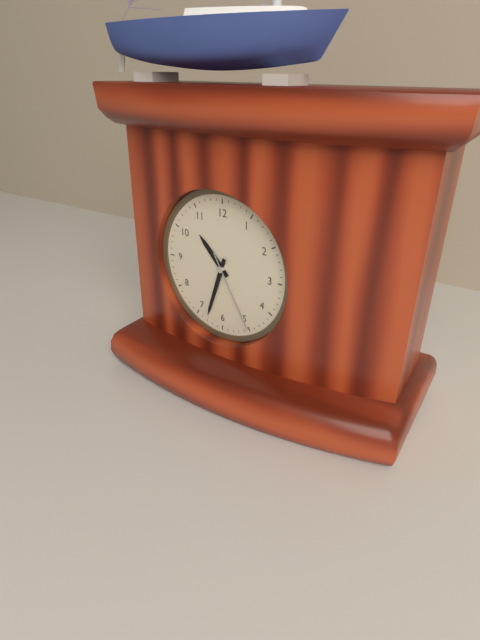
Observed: h=10 m=33 s=25
